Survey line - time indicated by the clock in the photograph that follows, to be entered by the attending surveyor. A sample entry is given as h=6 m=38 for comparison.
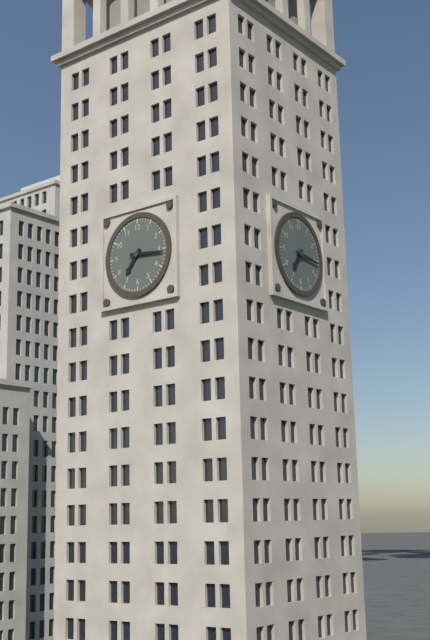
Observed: h=7 m=16
